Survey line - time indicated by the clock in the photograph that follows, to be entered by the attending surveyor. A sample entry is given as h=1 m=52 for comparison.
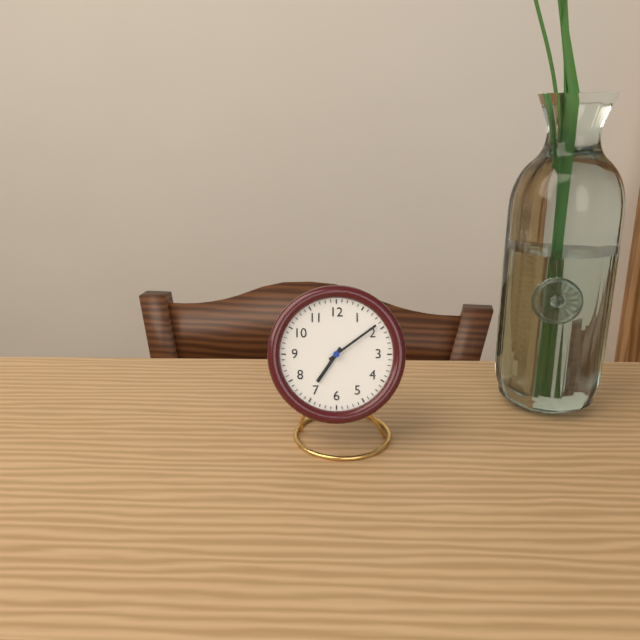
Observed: h=7 m=9
